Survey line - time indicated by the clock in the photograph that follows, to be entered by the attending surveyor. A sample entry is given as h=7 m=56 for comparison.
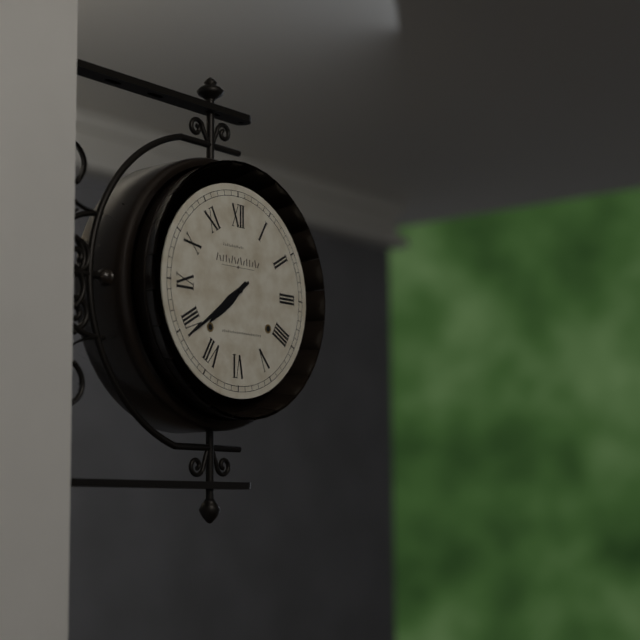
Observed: h=7 m=39
